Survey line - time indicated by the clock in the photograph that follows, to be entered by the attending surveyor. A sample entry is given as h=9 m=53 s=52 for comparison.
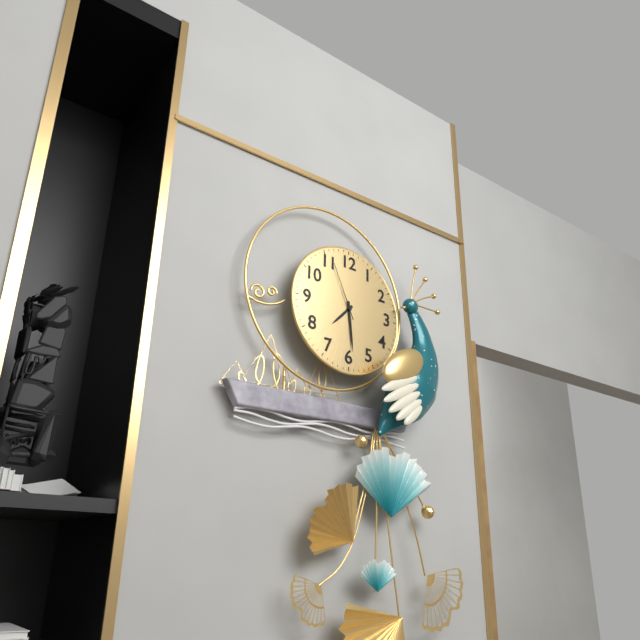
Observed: h=7 m=29 s=56
